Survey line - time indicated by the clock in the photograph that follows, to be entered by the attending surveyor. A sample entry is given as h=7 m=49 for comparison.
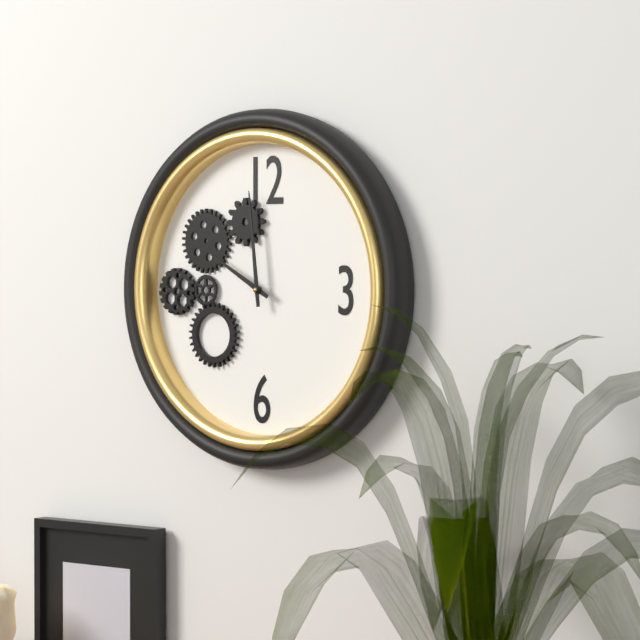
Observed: h=9 m=59
